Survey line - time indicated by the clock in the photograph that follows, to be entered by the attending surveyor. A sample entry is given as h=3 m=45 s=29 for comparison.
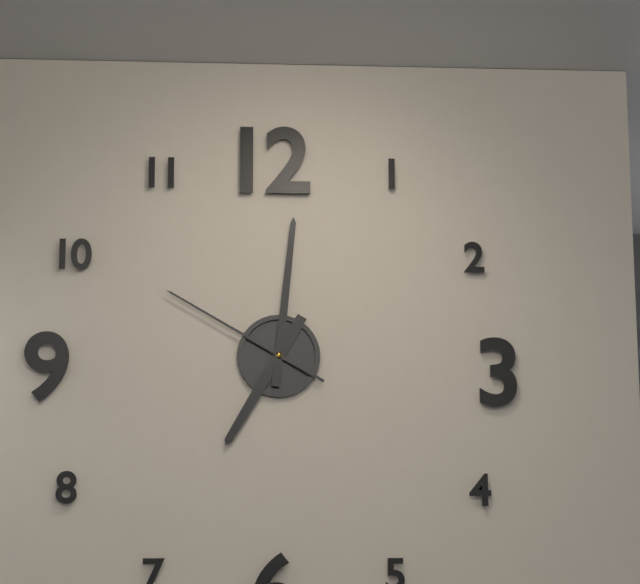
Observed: h=7 m=1 s=50
